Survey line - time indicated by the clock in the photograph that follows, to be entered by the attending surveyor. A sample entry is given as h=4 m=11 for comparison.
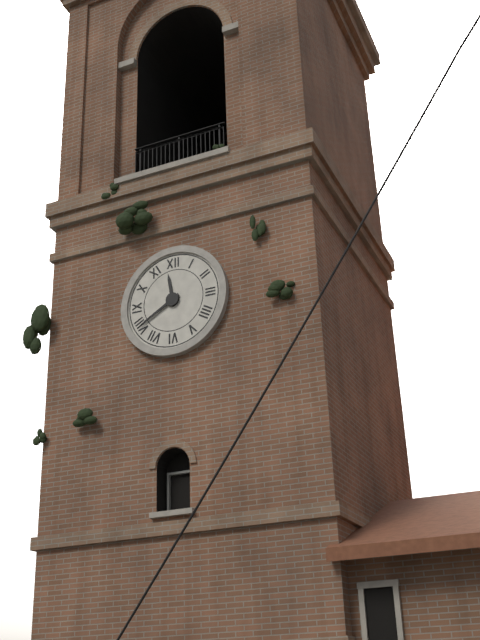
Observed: h=11 m=40
